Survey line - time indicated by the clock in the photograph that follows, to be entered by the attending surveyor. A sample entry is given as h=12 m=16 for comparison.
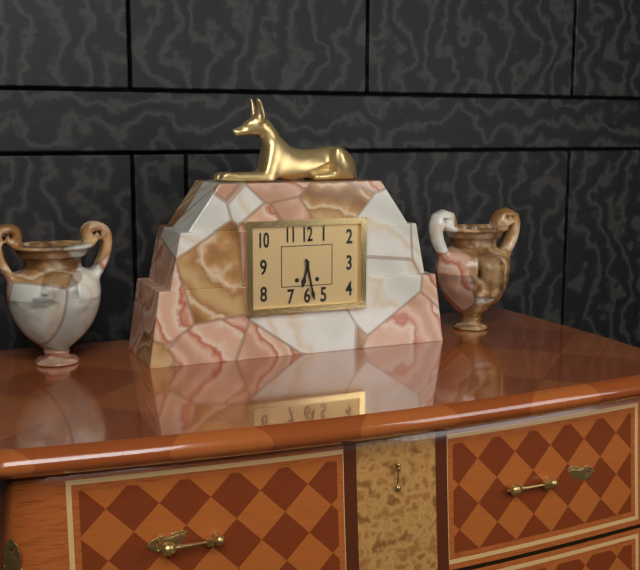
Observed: h=6 m=28
